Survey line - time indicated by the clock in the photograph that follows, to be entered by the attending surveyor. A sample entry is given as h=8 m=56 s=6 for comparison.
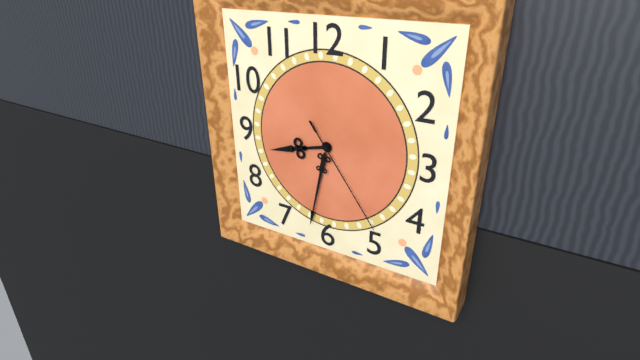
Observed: h=8 m=32 s=24
